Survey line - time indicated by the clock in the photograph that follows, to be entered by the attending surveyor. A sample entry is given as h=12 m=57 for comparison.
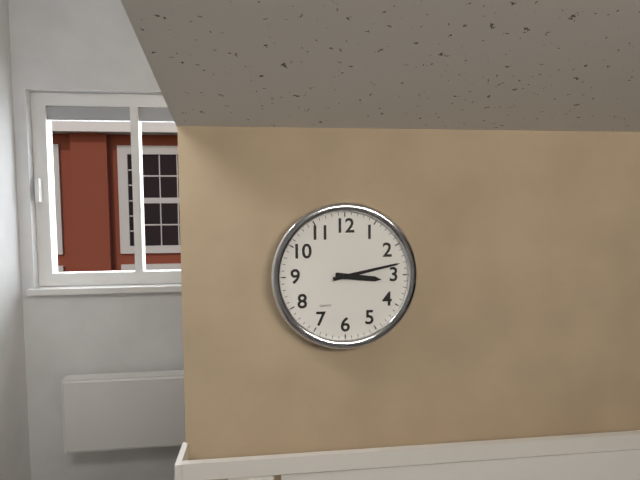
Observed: h=3 m=13
